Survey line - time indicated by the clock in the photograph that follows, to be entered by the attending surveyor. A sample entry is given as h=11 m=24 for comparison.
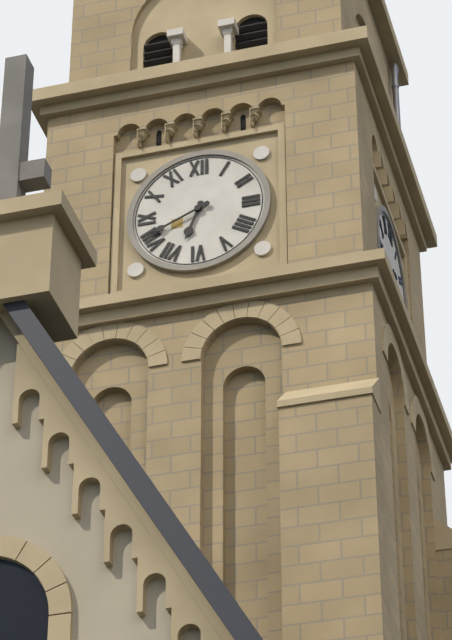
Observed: h=6 m=41
